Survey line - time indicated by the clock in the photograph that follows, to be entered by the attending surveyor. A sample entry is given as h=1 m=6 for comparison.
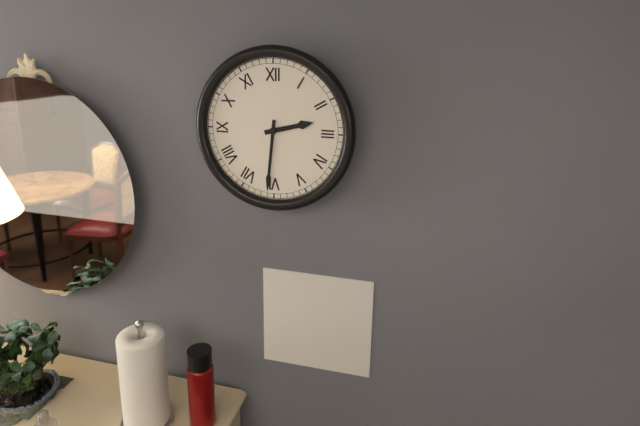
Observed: h=2 m=31
